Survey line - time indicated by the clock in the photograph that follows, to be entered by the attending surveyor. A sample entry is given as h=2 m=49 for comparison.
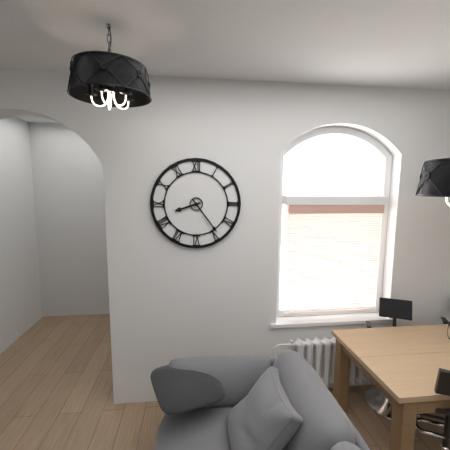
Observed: h=8 m=24
